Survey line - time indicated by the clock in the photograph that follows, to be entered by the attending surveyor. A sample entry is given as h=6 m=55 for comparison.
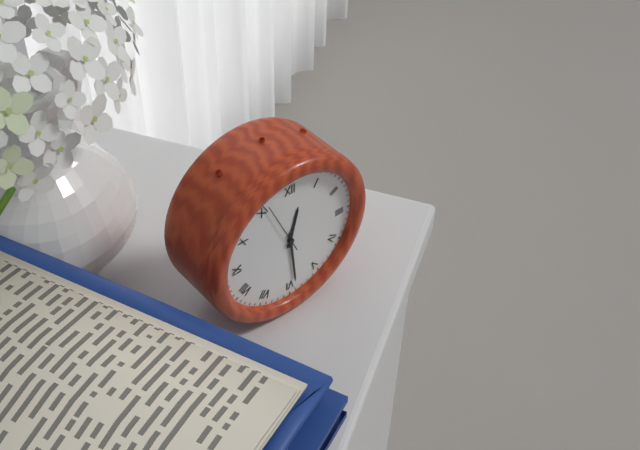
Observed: h=12 m=29
